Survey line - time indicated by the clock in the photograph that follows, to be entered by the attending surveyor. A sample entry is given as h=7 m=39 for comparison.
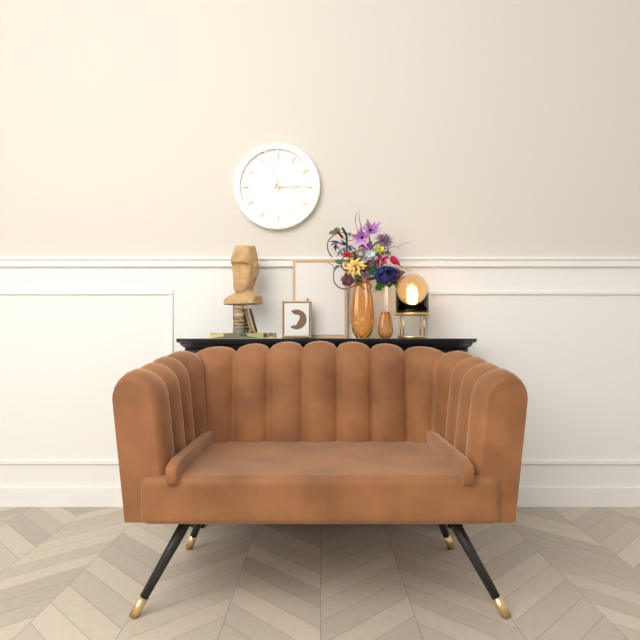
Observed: h=2 m=57
